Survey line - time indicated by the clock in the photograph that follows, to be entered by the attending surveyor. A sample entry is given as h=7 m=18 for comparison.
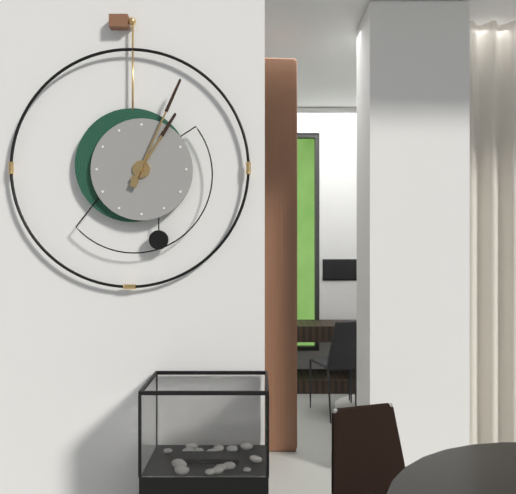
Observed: h=1 m=4
